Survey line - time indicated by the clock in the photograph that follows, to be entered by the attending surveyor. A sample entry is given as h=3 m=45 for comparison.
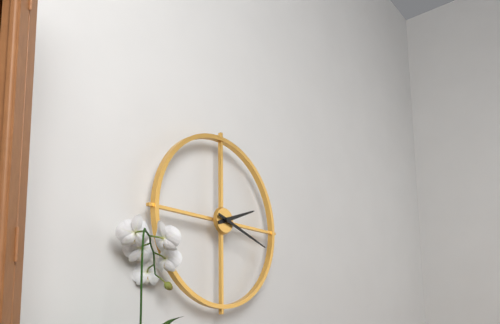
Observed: h=2 m=18
